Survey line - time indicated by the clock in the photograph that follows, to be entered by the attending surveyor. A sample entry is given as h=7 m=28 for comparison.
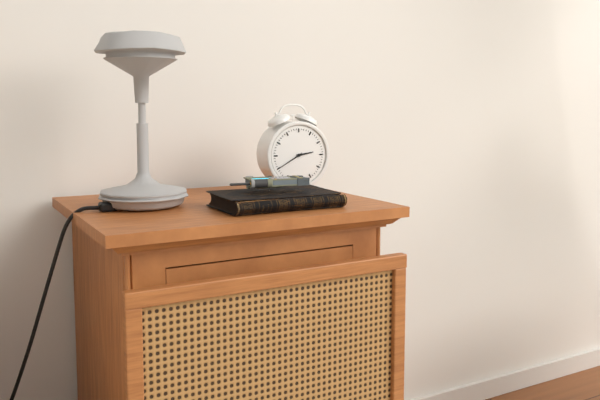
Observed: h=2 m=40
